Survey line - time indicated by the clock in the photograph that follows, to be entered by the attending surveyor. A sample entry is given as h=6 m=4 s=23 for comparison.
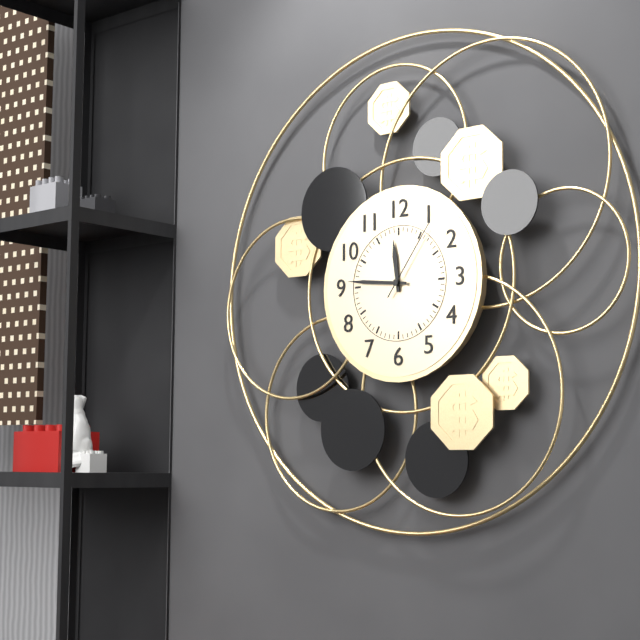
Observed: h=11 m=46 s=6
